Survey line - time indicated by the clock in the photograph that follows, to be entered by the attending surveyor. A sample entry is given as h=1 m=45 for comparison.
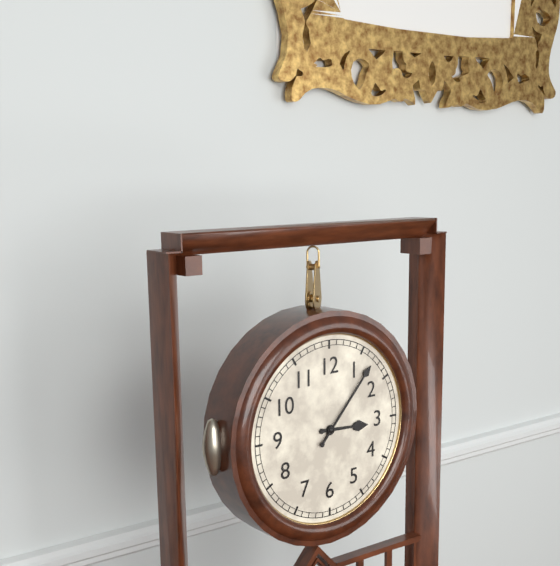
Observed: h=3 m=7
